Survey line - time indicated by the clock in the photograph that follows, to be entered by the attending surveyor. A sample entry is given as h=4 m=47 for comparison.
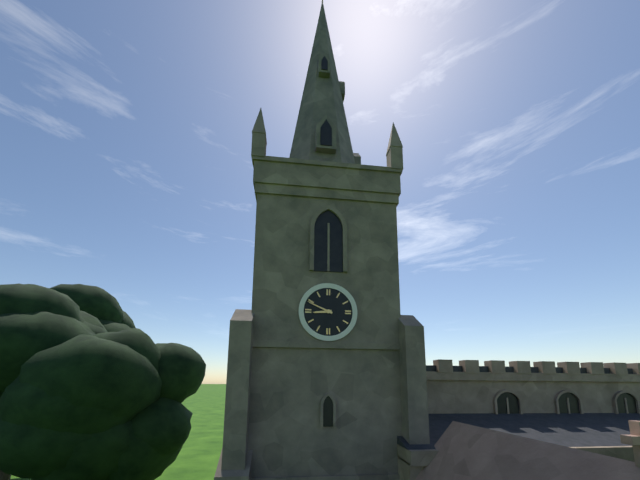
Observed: h=8 m=49
